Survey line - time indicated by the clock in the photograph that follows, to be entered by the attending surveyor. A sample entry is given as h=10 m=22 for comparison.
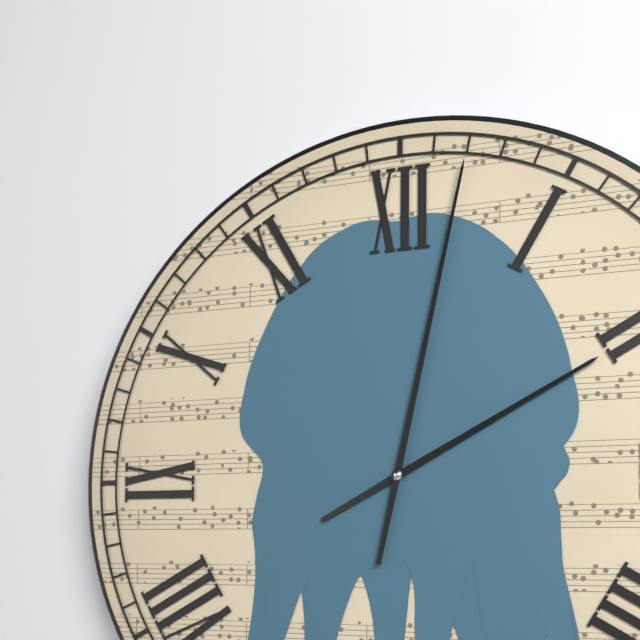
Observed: h=2 m=2
